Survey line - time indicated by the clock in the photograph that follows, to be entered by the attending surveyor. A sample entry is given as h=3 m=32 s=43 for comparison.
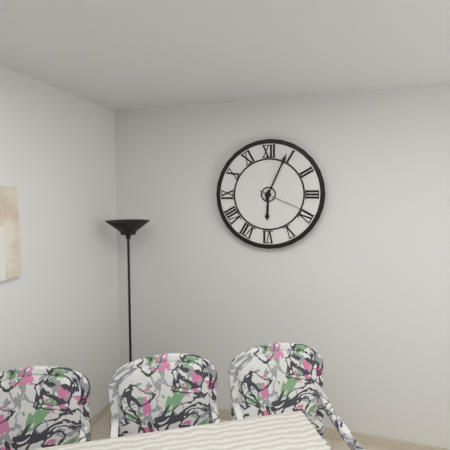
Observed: h=6 m=4 s=19
